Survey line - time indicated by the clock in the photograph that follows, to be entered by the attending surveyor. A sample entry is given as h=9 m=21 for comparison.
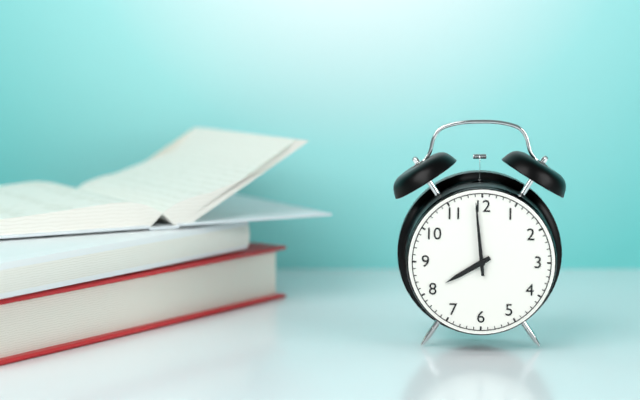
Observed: h=7 m=59
